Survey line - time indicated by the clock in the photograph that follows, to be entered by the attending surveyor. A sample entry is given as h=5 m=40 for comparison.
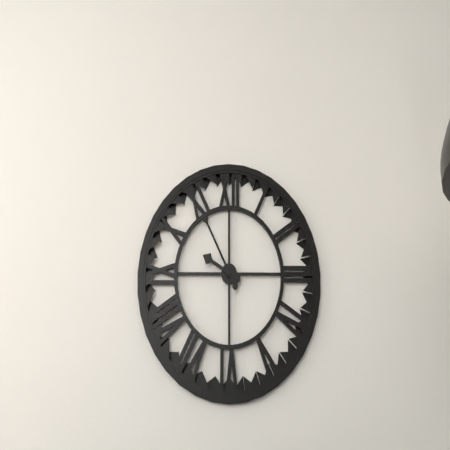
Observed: h=9 m=55
